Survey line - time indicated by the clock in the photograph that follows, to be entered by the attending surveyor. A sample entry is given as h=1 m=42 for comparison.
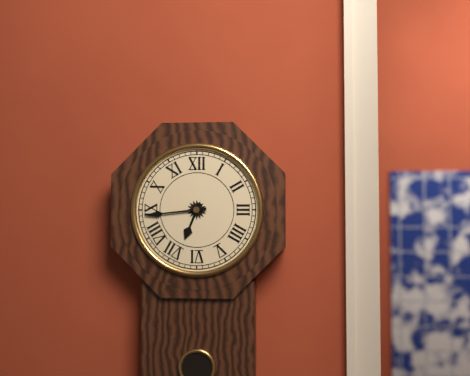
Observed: h=6 m=44
